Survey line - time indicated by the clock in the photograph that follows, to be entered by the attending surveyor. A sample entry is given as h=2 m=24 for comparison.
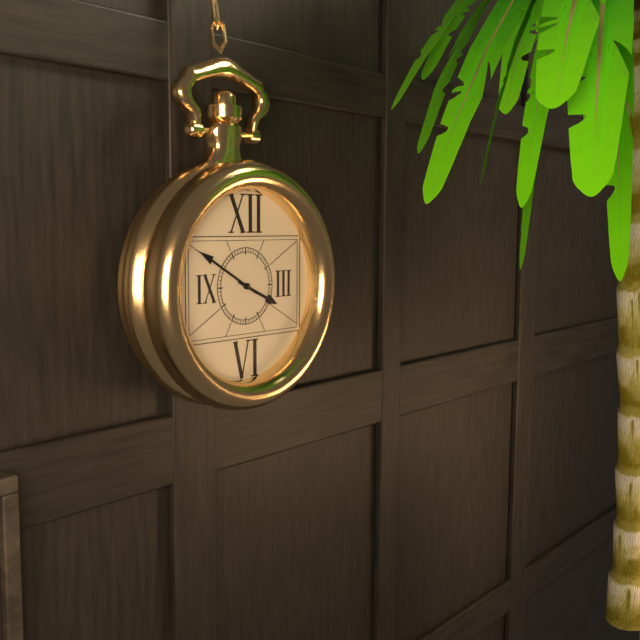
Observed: h=3 m=50
